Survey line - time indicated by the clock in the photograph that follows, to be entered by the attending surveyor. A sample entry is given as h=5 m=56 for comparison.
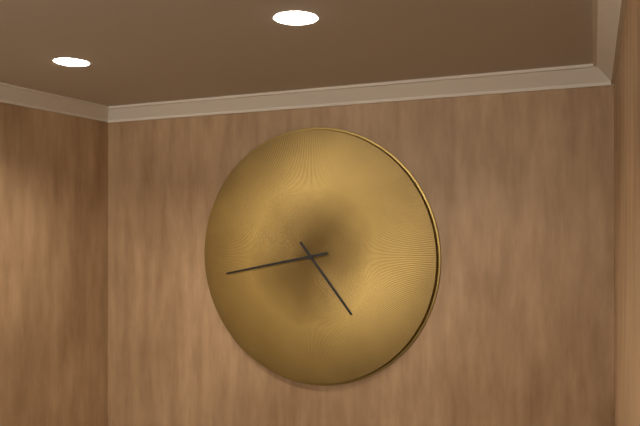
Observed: h=4 m=43
